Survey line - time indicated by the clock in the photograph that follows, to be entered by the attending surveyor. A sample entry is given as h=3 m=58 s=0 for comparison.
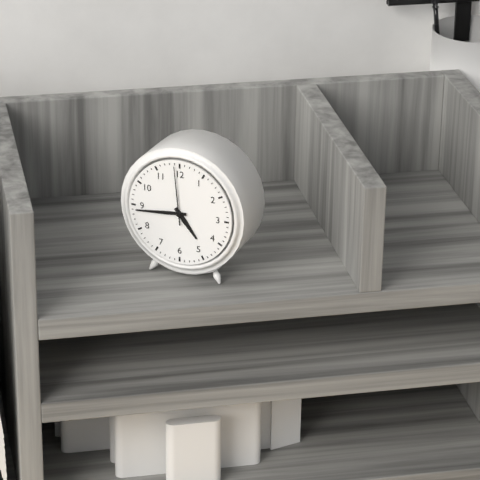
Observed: h=4 m=44 s=59
